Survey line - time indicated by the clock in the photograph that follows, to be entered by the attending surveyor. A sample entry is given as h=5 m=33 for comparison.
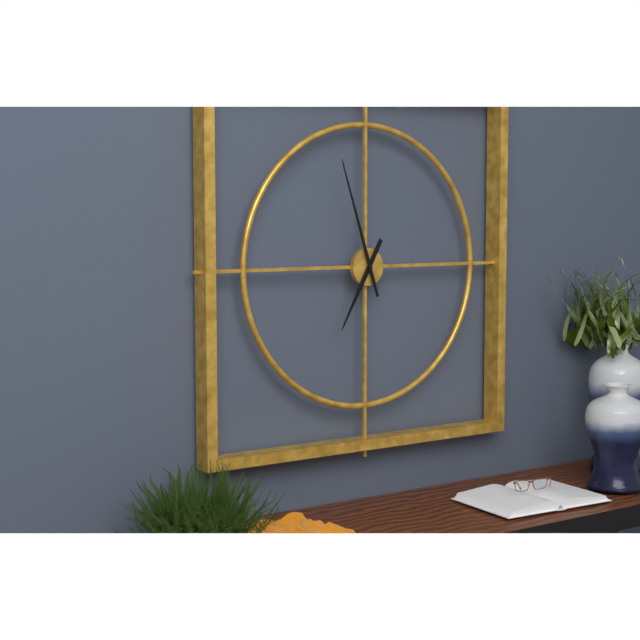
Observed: h=6 m=57
